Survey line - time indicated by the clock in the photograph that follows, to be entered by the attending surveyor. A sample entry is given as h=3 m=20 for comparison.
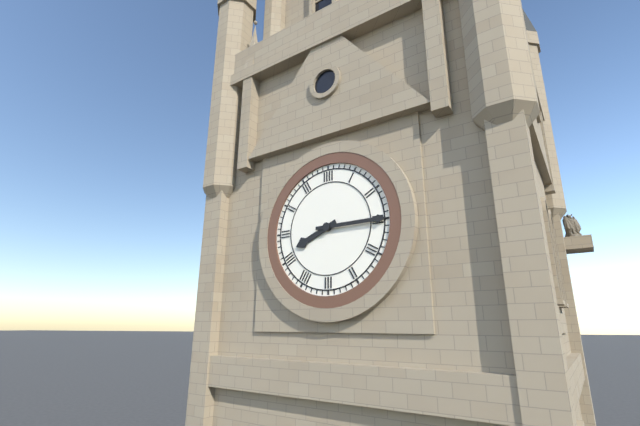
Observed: h=8 m=15
